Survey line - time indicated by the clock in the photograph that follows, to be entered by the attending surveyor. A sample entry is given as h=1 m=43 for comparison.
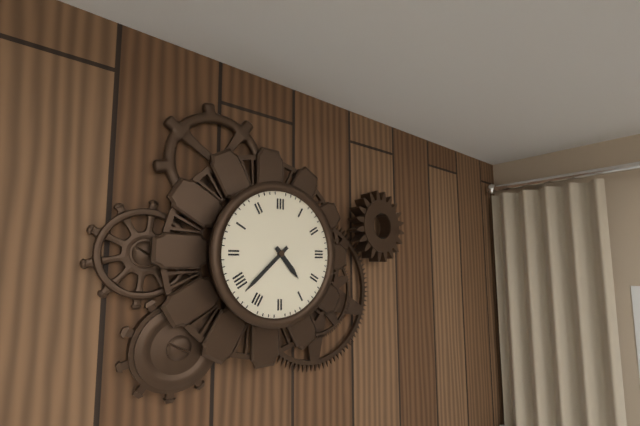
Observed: h=4 m=38
